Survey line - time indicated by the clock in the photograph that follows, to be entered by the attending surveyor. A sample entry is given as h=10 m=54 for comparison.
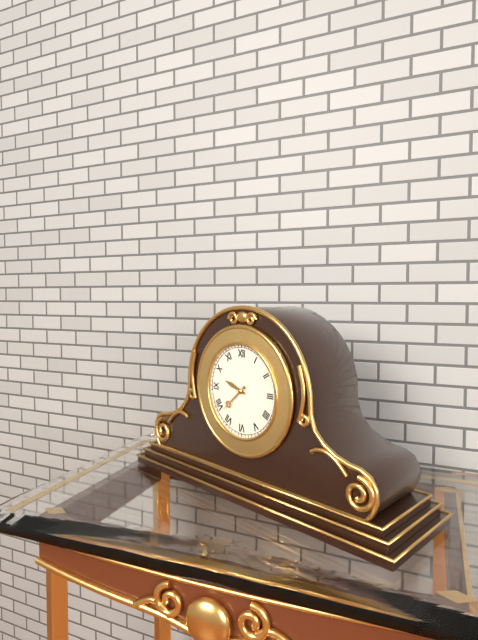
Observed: h=9 m=38
